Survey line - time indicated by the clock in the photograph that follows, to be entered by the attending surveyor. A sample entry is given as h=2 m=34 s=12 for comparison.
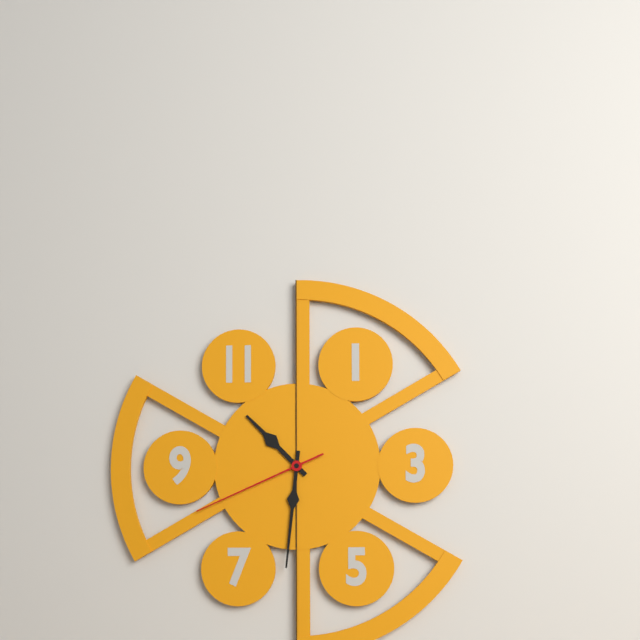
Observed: h=10 m=31 s=41
